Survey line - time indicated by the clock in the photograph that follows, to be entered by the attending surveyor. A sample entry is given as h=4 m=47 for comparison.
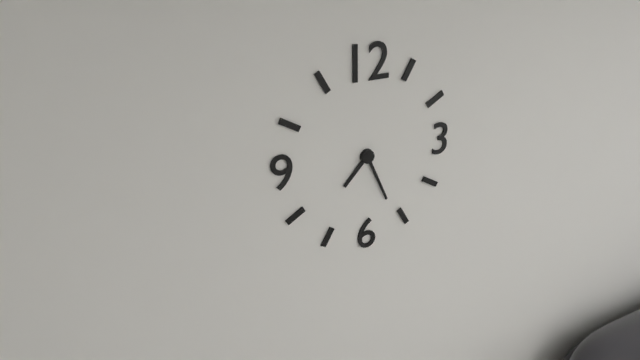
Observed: h=7 m=26
